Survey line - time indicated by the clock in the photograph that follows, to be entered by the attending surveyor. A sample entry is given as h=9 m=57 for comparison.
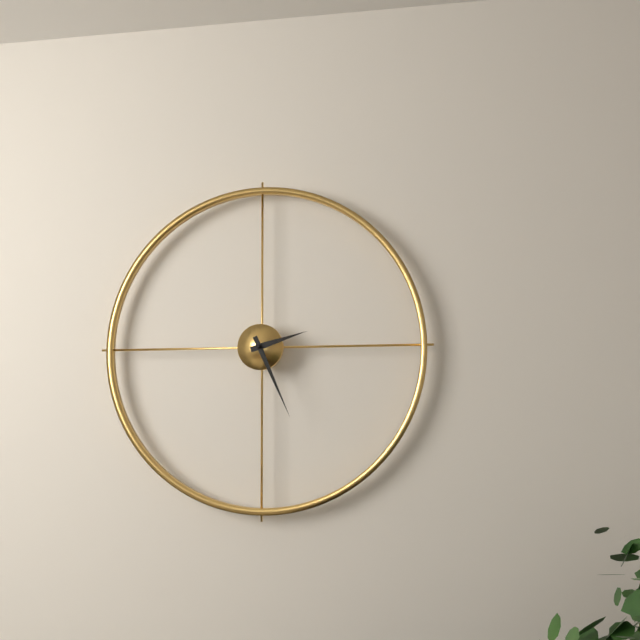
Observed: h=2 m=26
